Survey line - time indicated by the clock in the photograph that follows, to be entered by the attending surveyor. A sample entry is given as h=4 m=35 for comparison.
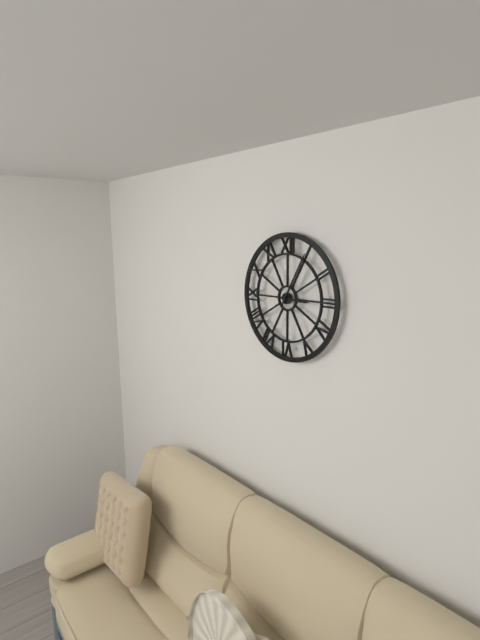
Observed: h=3 m=5
